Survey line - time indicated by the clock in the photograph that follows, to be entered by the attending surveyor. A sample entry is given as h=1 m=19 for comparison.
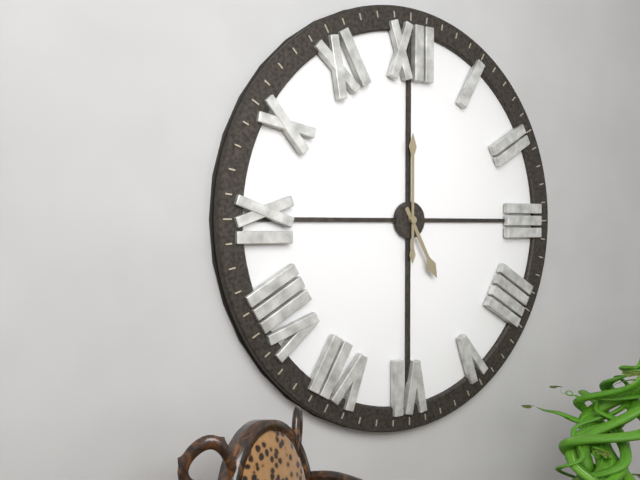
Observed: h=5 m=0
